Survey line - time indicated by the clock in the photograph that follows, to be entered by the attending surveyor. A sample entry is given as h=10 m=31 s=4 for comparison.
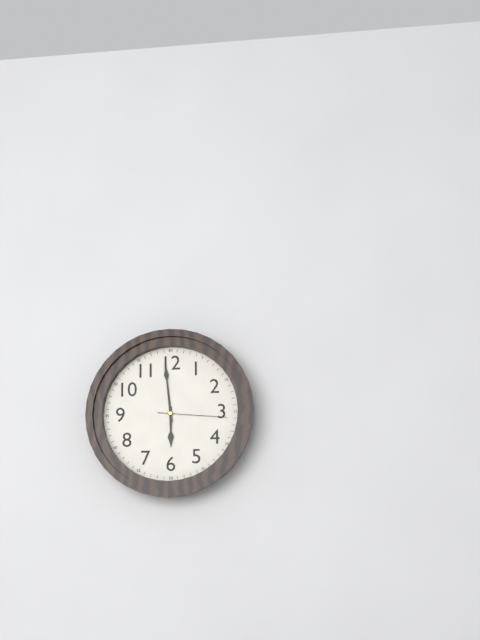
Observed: h=5 m=59 s=16
